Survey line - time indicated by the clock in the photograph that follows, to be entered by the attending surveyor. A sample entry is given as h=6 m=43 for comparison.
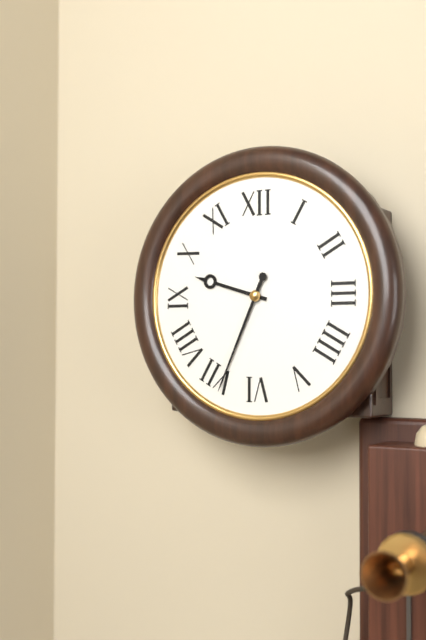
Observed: h=9 m=34
